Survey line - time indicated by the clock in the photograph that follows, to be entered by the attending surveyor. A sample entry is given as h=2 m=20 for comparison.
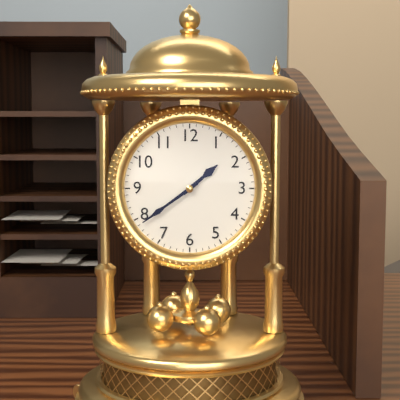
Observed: h=1 m=39
